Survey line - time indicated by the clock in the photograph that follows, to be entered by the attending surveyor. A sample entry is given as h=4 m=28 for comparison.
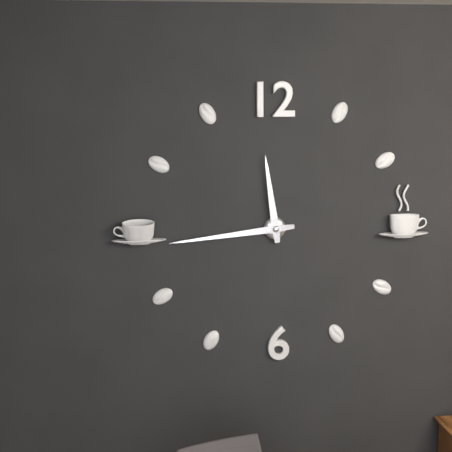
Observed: h=11 m=44
